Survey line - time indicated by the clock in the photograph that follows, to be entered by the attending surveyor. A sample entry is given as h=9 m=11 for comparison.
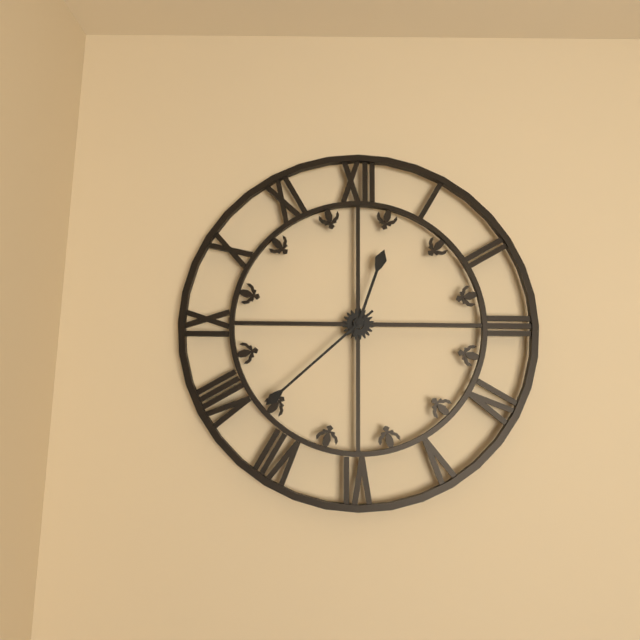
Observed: h=12 m=38
